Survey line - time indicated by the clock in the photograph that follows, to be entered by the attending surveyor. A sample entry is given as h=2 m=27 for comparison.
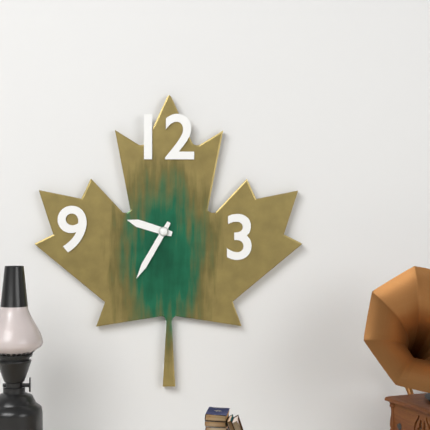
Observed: h=9 m=35
